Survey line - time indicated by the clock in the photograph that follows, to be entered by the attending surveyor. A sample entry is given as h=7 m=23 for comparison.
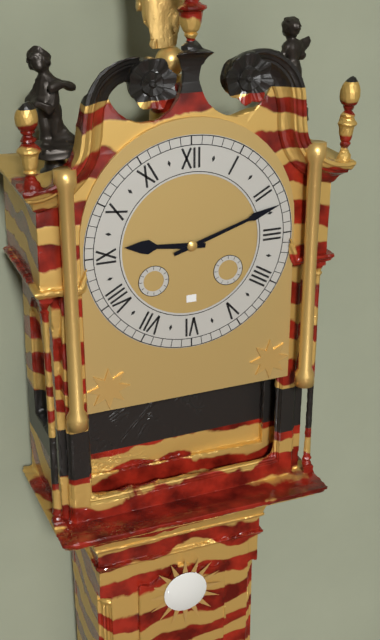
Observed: h=9 m=12
